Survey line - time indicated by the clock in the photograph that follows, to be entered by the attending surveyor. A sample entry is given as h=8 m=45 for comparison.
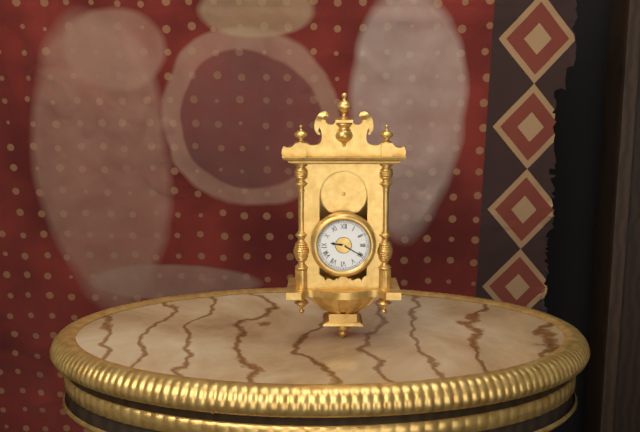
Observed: h=9 m=20
